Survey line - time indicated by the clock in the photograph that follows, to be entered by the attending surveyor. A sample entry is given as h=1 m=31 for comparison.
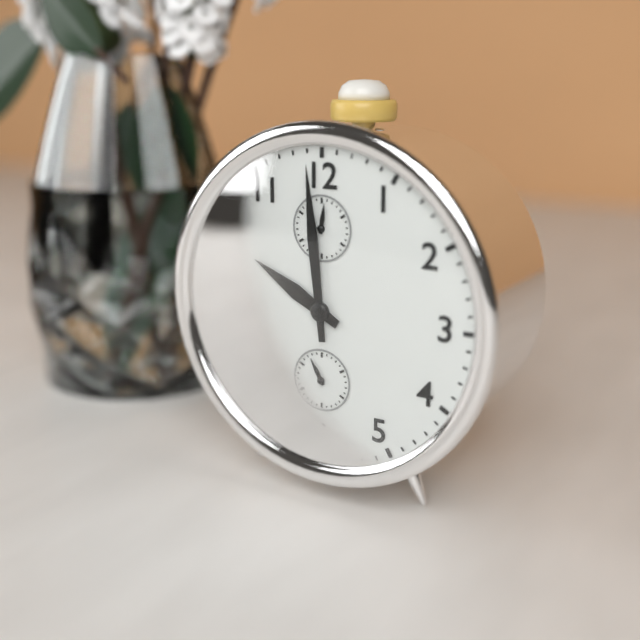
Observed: h=9 m=59
